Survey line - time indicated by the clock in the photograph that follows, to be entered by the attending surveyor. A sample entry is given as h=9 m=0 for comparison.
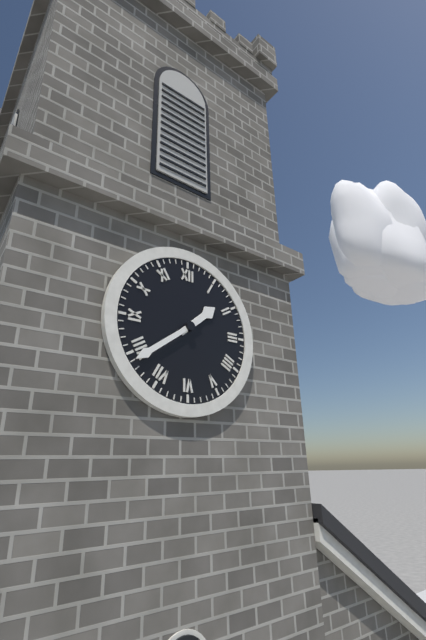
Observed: h=1 m=39
